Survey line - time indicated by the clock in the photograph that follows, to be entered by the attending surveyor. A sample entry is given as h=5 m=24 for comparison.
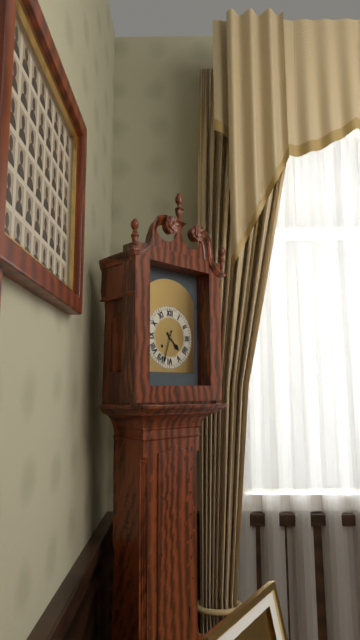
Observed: h=4 m=33
